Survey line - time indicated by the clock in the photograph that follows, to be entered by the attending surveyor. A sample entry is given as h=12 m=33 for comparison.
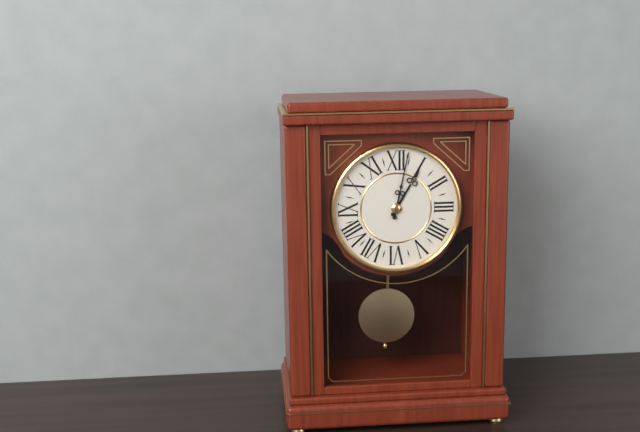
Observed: h=1 m=2
